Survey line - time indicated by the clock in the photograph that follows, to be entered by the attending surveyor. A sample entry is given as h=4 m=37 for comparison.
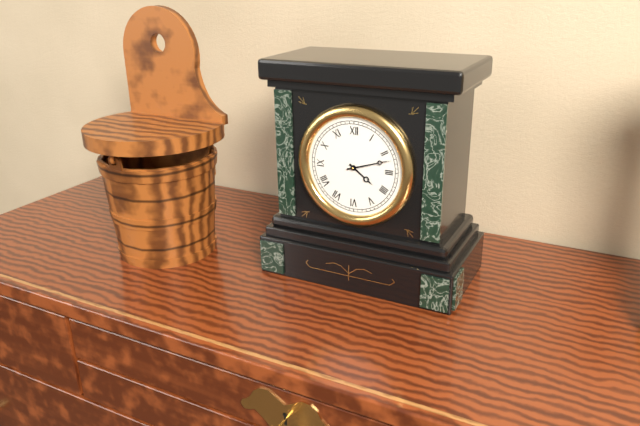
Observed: h=4 m=12
